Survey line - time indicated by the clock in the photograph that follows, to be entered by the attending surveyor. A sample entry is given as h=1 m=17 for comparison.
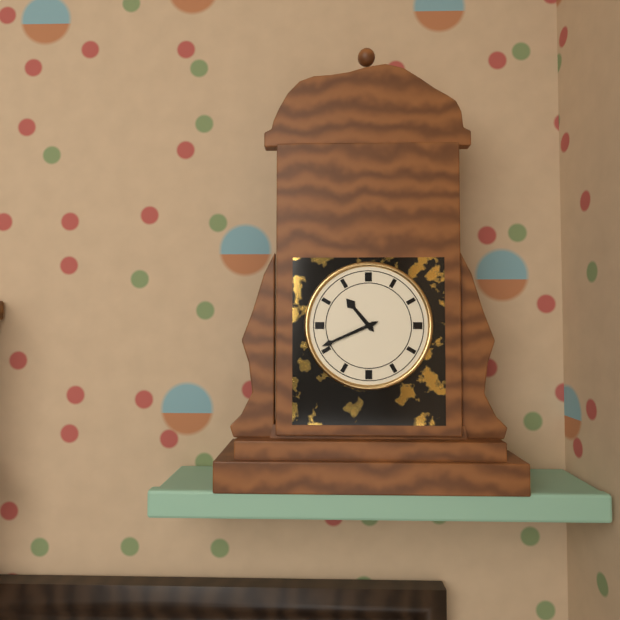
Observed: h=10 m=41
